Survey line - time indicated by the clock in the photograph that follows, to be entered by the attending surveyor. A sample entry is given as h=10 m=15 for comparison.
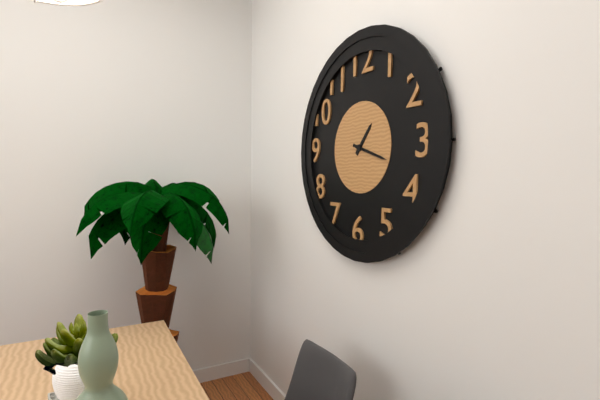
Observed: h=1 m=18
